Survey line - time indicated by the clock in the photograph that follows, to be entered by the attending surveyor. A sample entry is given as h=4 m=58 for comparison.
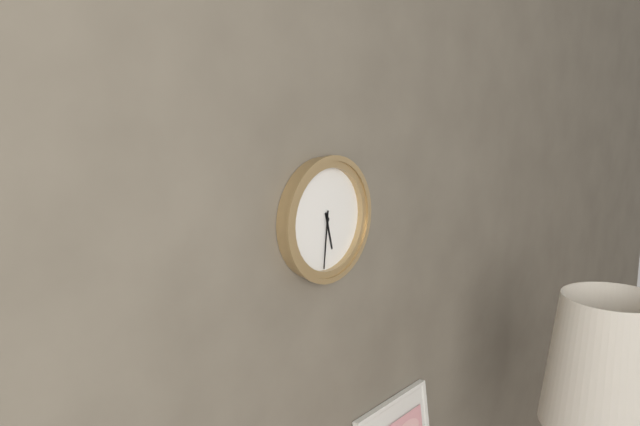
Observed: h=5 m=31
